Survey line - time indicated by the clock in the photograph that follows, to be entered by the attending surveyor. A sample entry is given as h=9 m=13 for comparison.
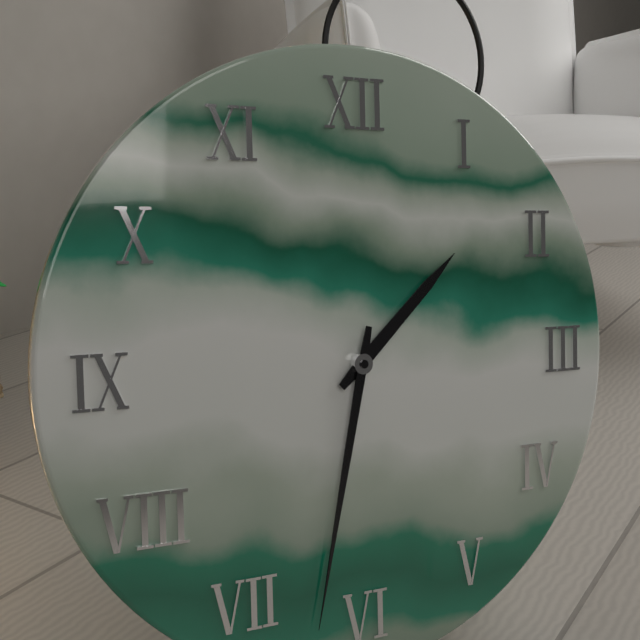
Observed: h=1 m=32
